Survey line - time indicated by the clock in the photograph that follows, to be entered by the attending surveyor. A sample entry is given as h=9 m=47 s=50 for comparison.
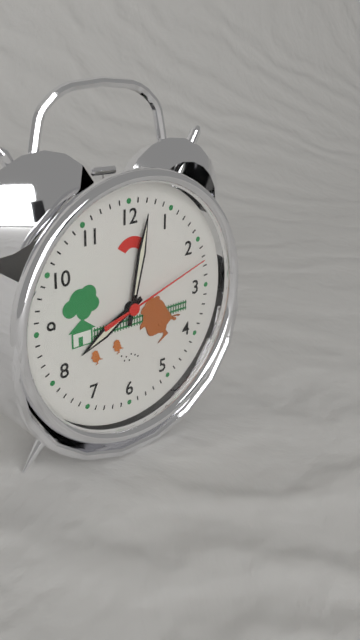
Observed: h=8 m=2 s=12
